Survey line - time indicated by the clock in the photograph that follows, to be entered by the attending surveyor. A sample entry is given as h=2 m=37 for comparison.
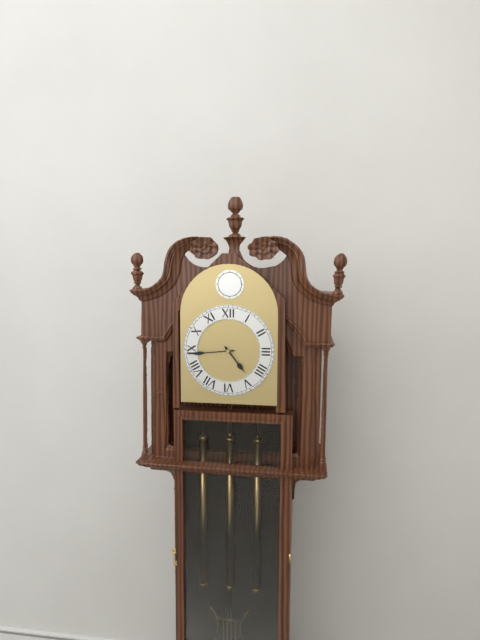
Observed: h=4 m=44
